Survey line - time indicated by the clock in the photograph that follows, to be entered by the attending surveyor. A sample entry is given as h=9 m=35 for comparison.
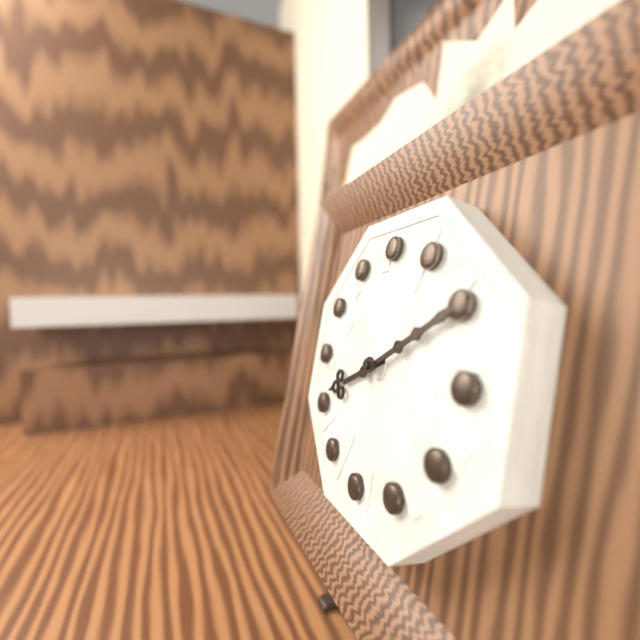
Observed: h=8 m=10
